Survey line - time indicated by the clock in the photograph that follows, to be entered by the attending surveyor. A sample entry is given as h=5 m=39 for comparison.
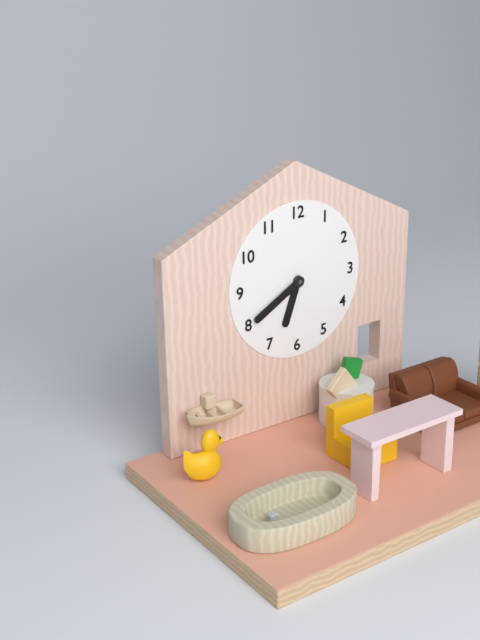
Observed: h=6 m=40
